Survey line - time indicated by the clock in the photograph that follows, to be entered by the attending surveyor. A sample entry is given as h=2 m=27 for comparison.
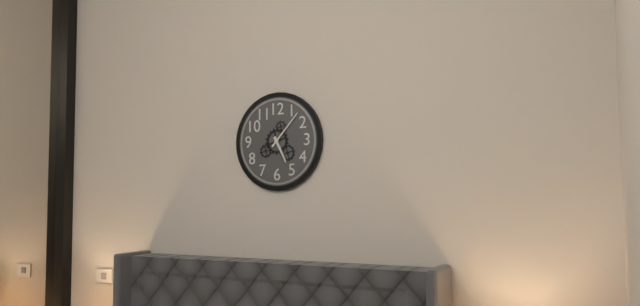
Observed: h=5 m=7
